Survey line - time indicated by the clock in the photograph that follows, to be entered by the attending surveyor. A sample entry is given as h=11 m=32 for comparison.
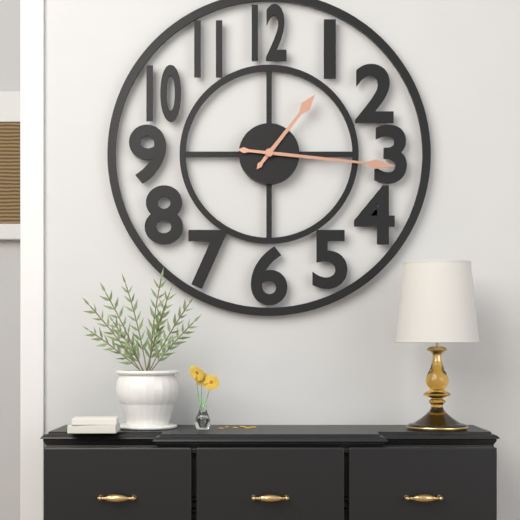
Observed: h=1 m=16
